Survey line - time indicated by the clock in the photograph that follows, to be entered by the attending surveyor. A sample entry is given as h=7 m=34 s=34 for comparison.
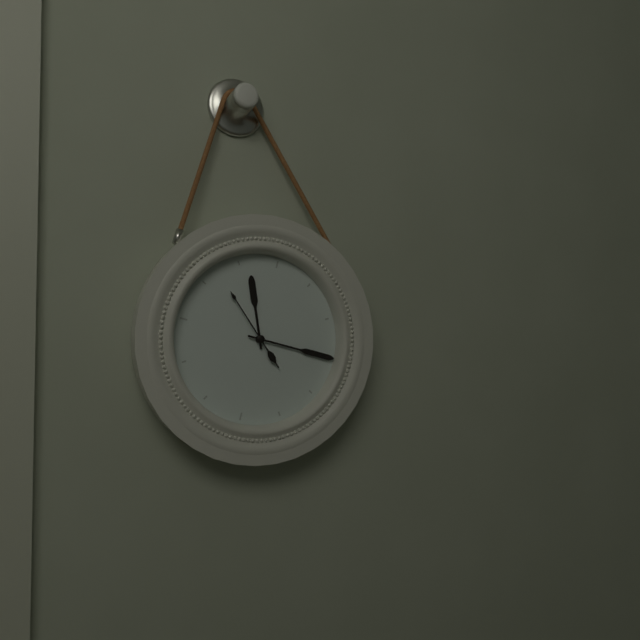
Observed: h=11 m=15 s=52
